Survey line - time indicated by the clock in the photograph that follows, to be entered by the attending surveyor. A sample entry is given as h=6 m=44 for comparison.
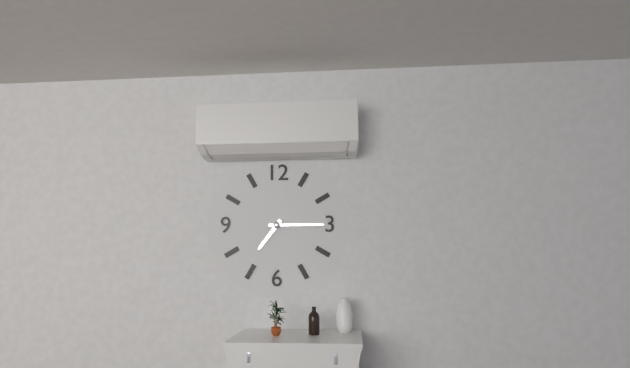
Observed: h=7 m=15
